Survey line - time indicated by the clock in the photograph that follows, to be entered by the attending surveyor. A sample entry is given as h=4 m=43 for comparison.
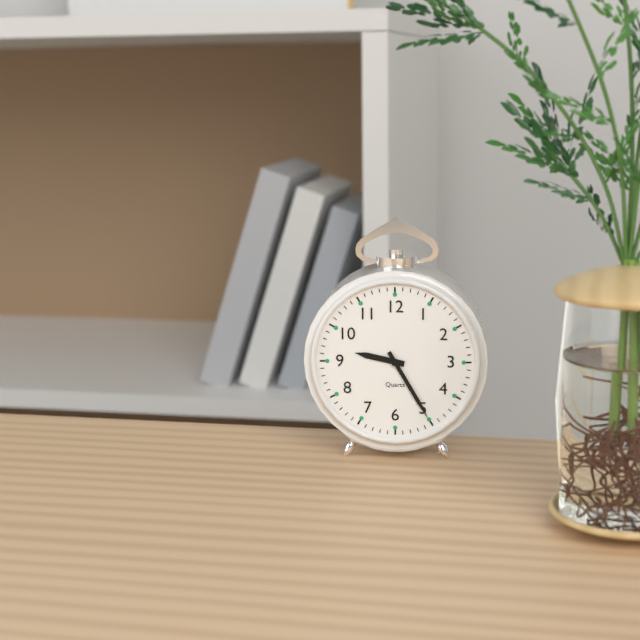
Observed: h=9 m=25
